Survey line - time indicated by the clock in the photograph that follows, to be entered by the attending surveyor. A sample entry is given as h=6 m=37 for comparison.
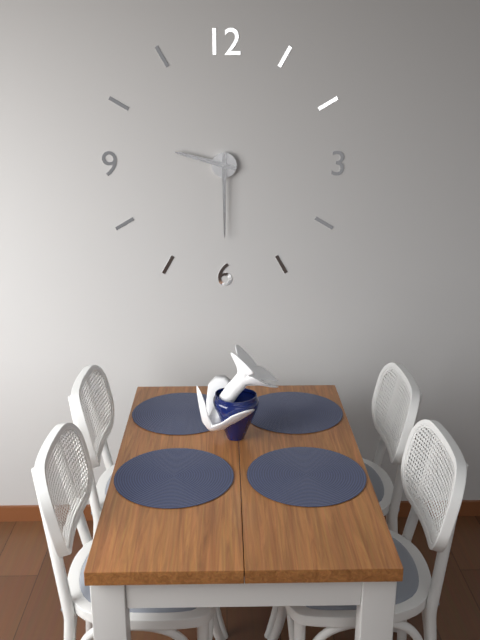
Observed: h=9 m=30
